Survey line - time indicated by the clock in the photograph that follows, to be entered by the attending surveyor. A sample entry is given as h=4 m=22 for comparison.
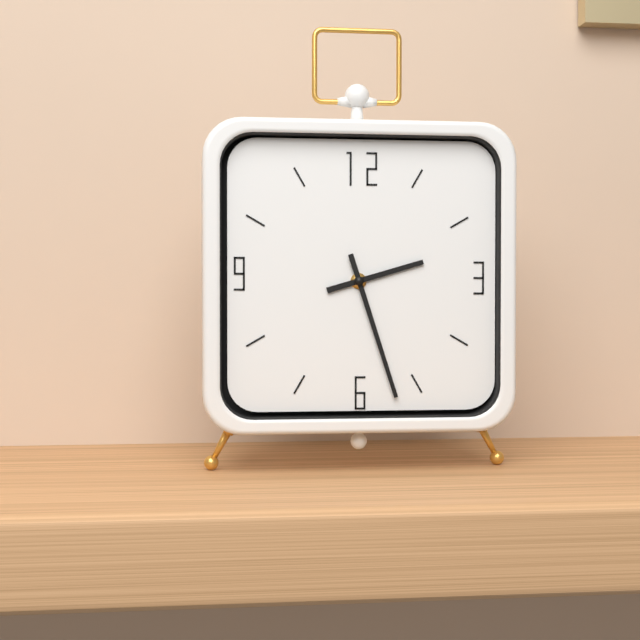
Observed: h=2 m=27
